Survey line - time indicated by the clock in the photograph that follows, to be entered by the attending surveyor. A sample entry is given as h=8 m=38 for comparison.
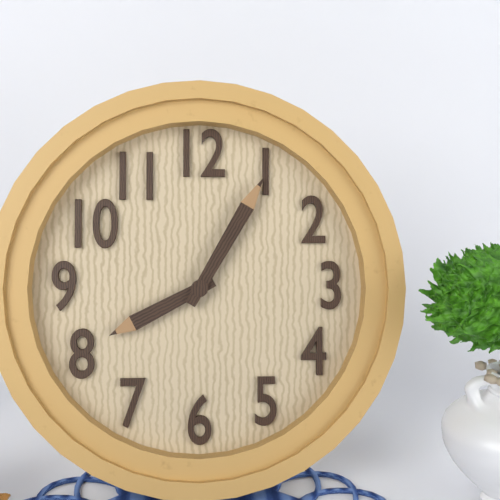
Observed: h=8 m=5
